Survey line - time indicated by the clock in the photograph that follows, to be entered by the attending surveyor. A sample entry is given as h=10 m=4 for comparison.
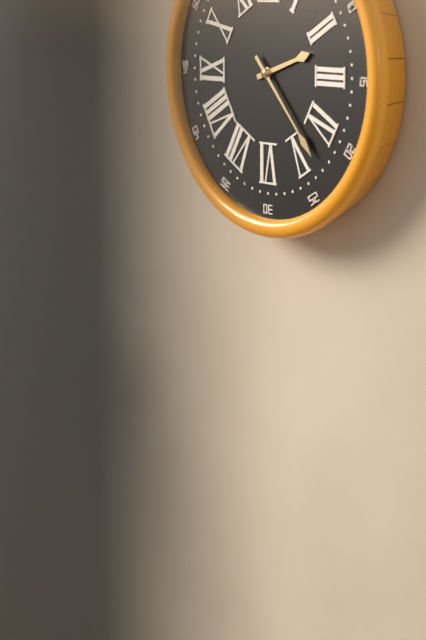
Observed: h=2 m=23
